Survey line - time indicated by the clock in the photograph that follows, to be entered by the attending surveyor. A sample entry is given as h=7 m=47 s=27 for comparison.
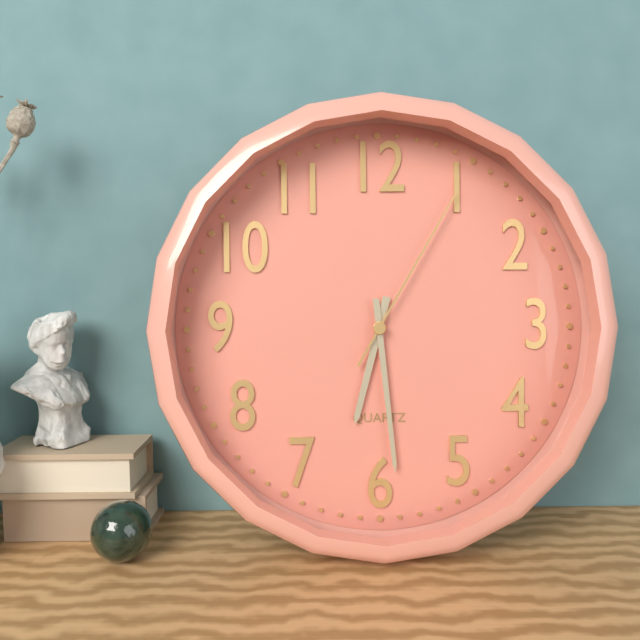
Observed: h=6 m=29 s=5
